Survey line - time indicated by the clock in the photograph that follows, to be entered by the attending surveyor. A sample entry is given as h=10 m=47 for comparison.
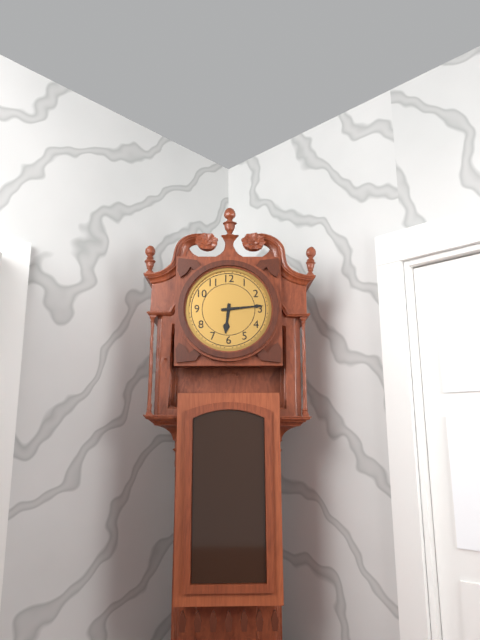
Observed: h=6 m=14
